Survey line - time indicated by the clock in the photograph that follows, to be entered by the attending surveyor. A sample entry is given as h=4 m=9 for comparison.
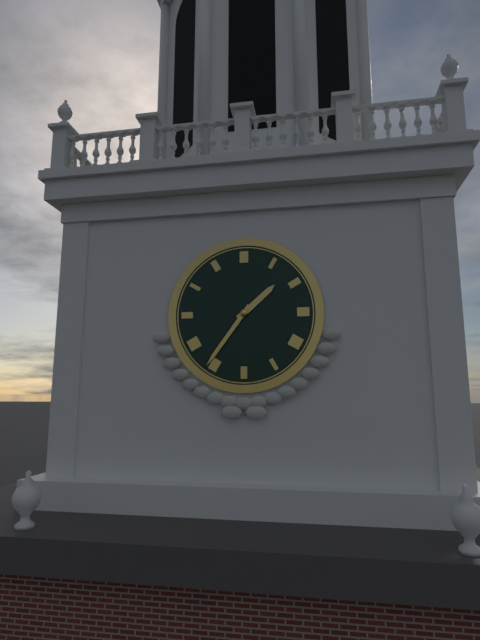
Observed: h=1 m=36
